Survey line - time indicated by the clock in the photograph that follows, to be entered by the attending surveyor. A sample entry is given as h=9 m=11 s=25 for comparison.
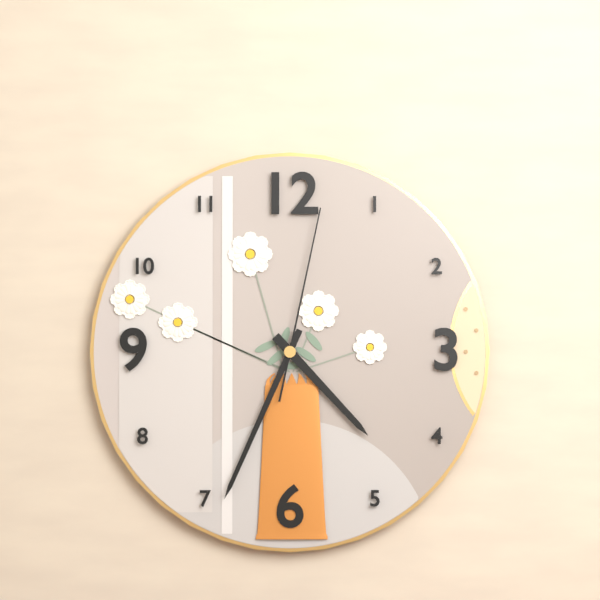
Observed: h=4 m=34 s=2
